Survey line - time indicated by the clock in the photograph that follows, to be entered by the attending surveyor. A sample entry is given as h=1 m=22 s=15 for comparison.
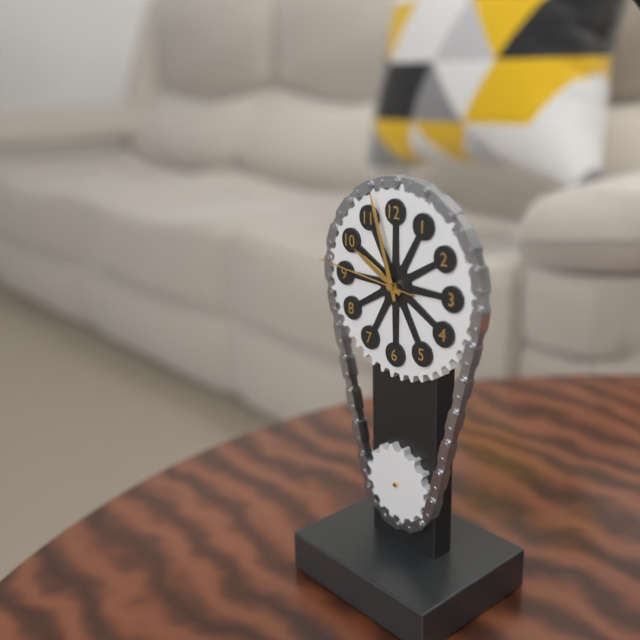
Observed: h=9 m=57 s=46
